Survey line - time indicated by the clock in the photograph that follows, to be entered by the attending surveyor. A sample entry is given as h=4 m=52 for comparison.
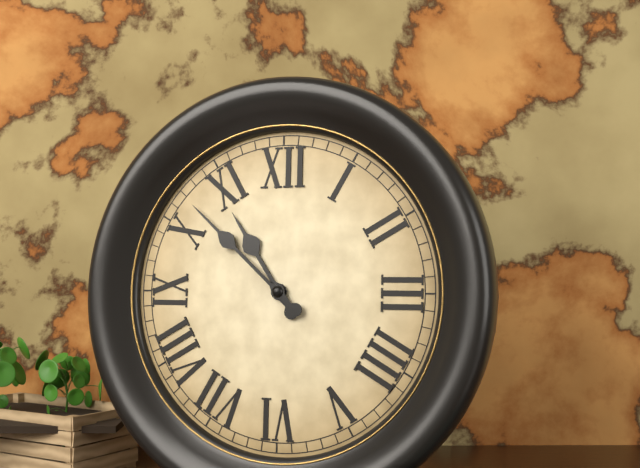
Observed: h=10 m=52
